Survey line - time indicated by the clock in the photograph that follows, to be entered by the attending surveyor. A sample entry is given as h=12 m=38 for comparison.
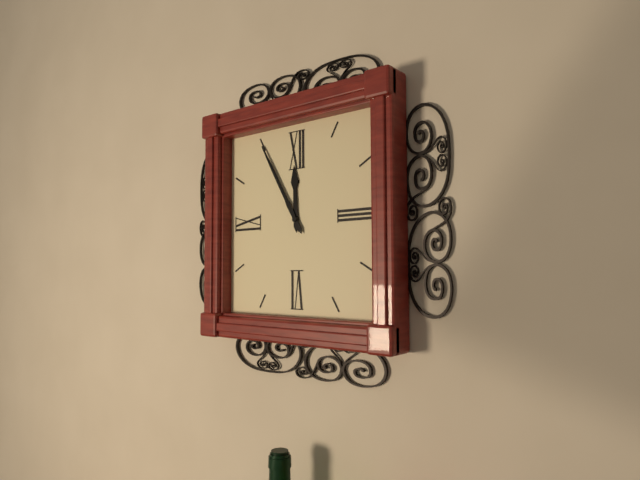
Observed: h=11 m=55
